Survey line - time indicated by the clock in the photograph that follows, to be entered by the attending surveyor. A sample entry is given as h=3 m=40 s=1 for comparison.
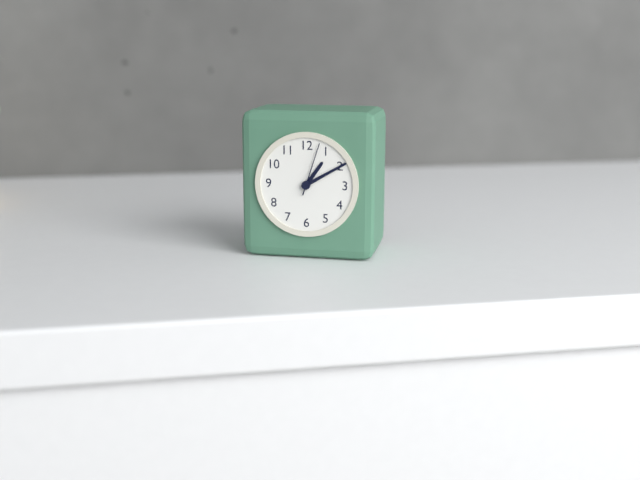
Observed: h=1 m=10 s=3
